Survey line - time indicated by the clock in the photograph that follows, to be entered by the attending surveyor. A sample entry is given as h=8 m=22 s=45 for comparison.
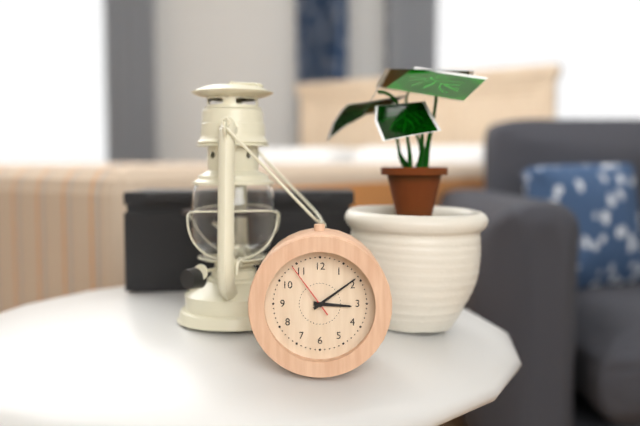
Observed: h=3 m=9 s=54
